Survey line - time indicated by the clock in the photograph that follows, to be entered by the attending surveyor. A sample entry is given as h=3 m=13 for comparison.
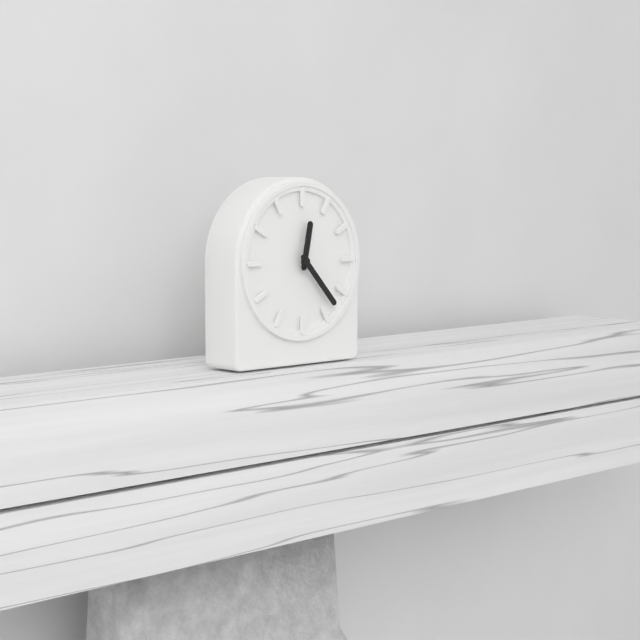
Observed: h=12 m=23
